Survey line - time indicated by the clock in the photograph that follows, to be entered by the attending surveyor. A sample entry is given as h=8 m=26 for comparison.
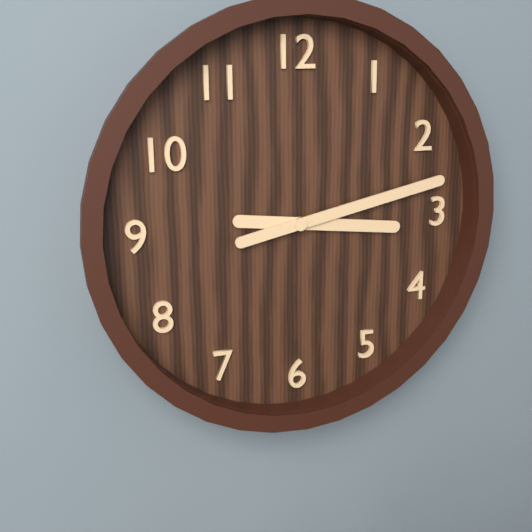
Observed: h=3 m=13
